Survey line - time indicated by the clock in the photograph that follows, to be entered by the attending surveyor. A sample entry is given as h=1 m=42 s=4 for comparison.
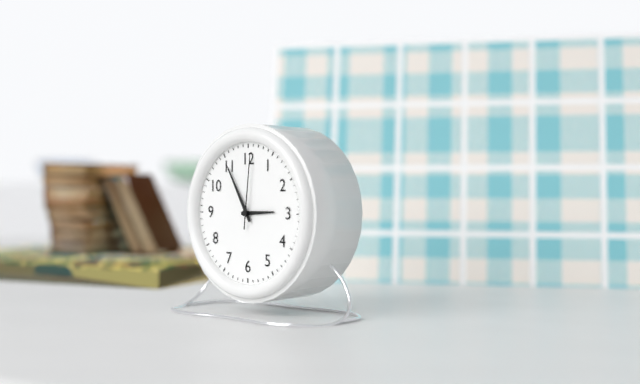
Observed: h=2 m=55 s=1
